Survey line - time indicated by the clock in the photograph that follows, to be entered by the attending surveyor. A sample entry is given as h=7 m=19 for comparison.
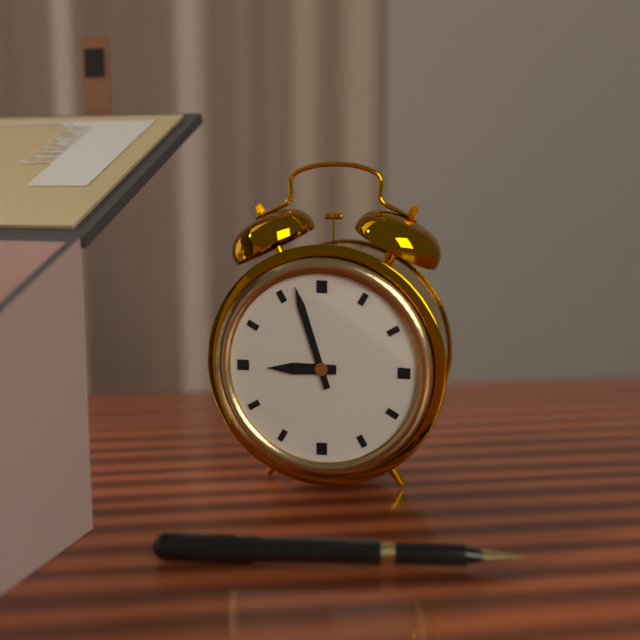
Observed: h=8 m=57
